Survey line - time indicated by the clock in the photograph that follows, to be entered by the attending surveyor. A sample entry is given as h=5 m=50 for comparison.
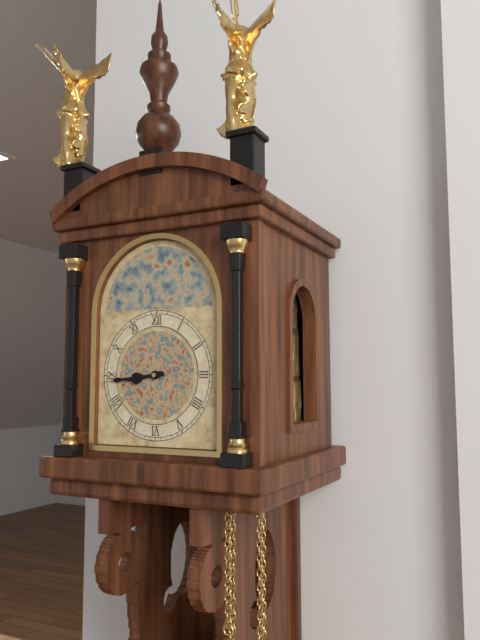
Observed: h=8 m=44
